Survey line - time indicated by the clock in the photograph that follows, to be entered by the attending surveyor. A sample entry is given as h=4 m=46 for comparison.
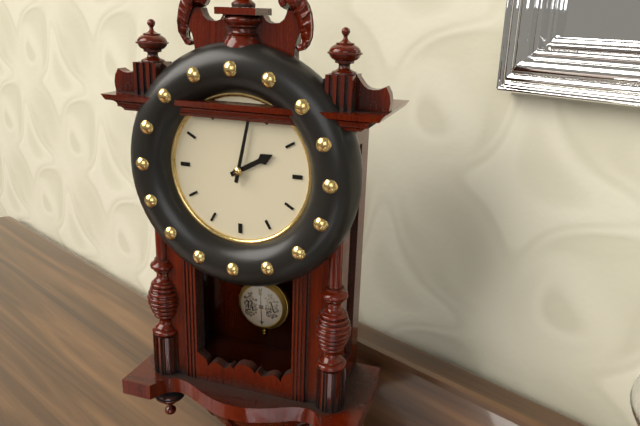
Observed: h=2 m=2
